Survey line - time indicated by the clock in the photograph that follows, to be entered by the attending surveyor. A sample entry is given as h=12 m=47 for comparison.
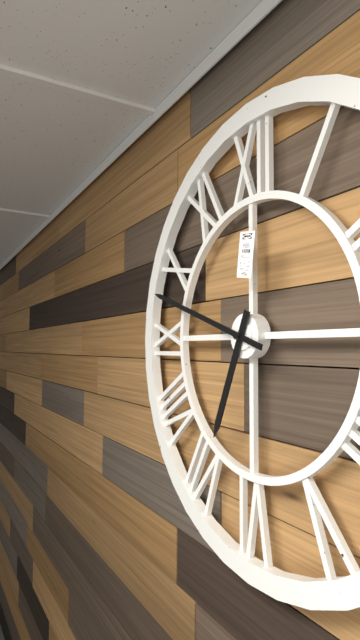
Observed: h=6 m=48
